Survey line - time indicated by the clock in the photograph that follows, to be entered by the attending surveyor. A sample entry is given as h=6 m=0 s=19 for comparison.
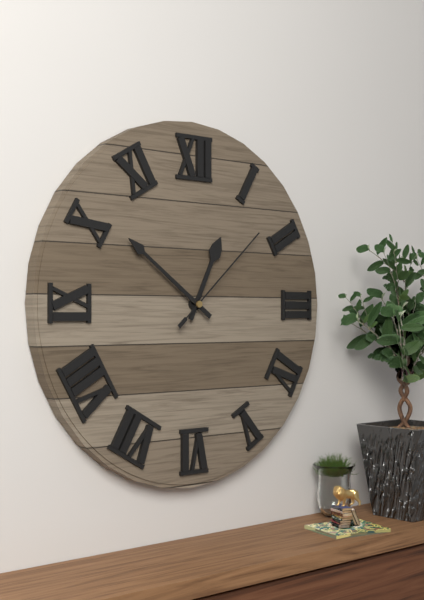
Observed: h=12 m=51 s=8
